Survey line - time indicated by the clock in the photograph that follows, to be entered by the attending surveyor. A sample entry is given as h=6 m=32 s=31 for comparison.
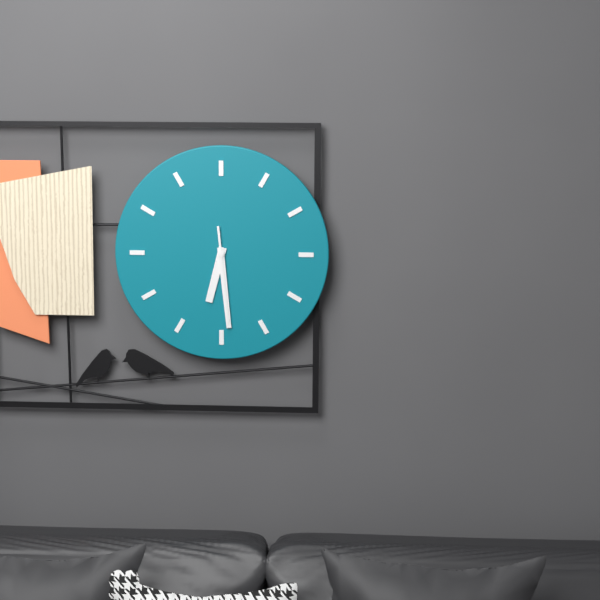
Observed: h=6 m=29 s=29
